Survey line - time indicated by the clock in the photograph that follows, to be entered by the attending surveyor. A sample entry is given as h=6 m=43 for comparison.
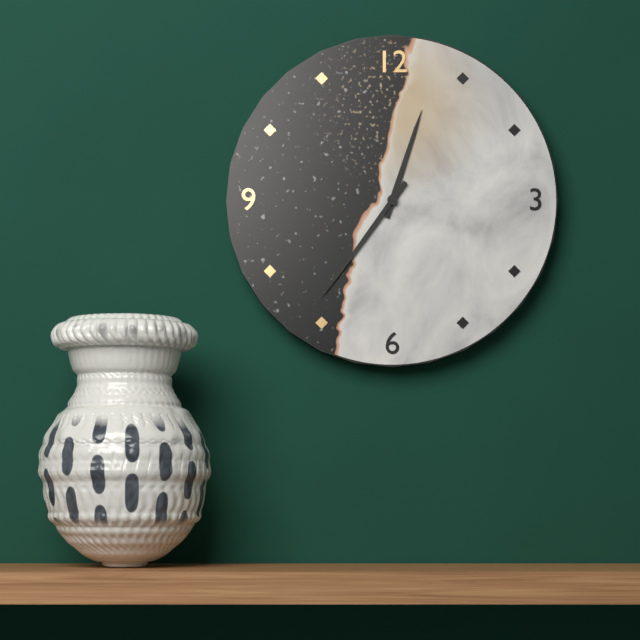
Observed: h=12 m=36
